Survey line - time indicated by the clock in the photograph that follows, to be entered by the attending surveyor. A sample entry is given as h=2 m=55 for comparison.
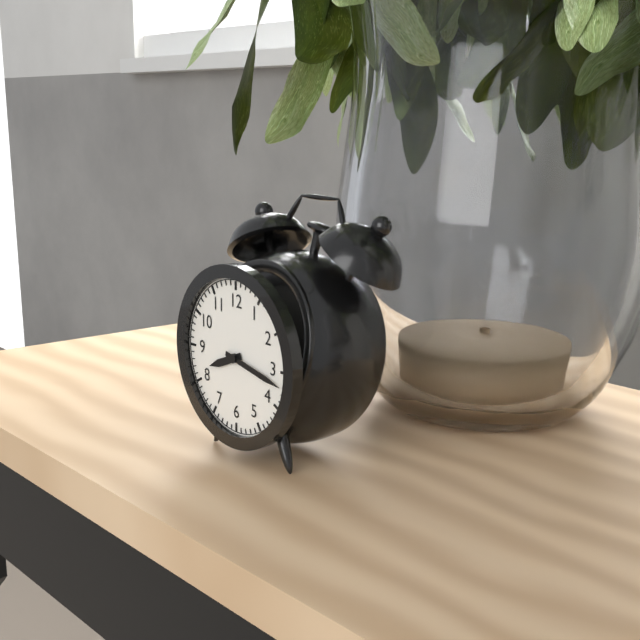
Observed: h=8 m=17
